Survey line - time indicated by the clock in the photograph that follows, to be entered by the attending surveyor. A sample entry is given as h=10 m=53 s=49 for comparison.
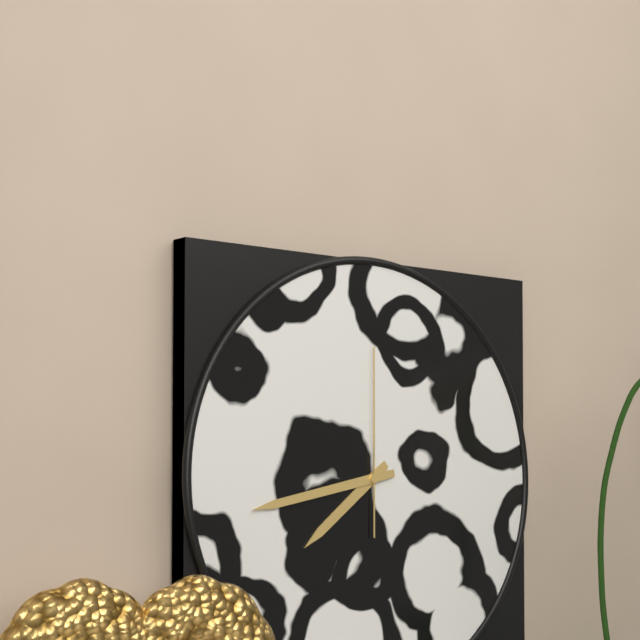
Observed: h=7 m=43 s=0
